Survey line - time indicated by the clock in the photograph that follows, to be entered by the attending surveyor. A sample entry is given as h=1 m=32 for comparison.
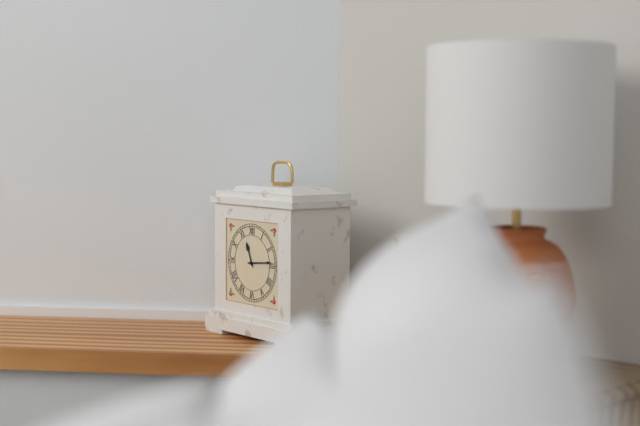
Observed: h=11 m=14
